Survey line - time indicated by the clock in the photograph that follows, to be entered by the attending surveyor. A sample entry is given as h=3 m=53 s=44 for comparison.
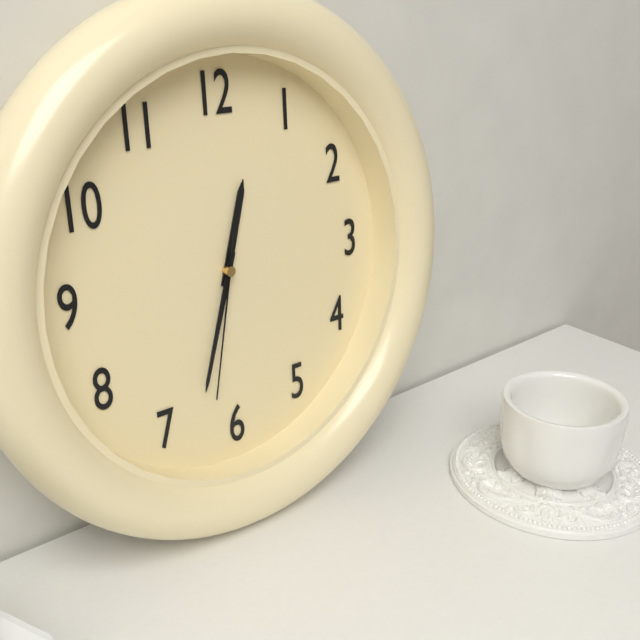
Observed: h=12 m=33 s=32
